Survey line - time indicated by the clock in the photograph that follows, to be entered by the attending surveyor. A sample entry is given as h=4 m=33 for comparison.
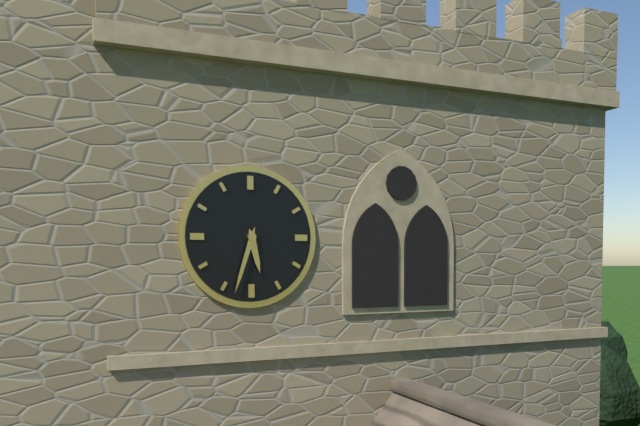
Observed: h=5 m=33
